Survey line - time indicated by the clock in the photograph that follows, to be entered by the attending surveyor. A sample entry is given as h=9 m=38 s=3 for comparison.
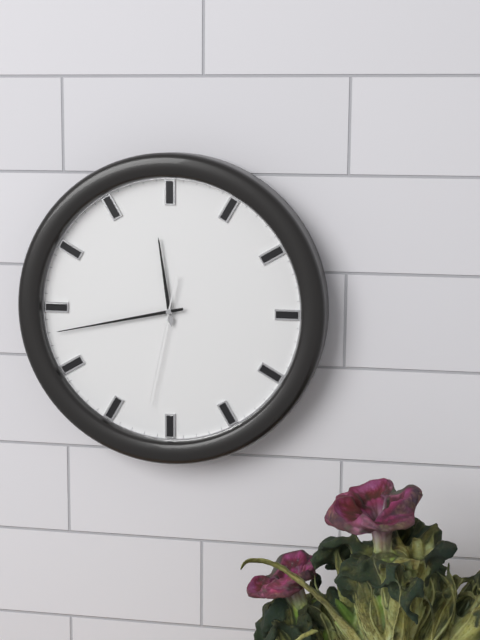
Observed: h=11 m=43 s=32
